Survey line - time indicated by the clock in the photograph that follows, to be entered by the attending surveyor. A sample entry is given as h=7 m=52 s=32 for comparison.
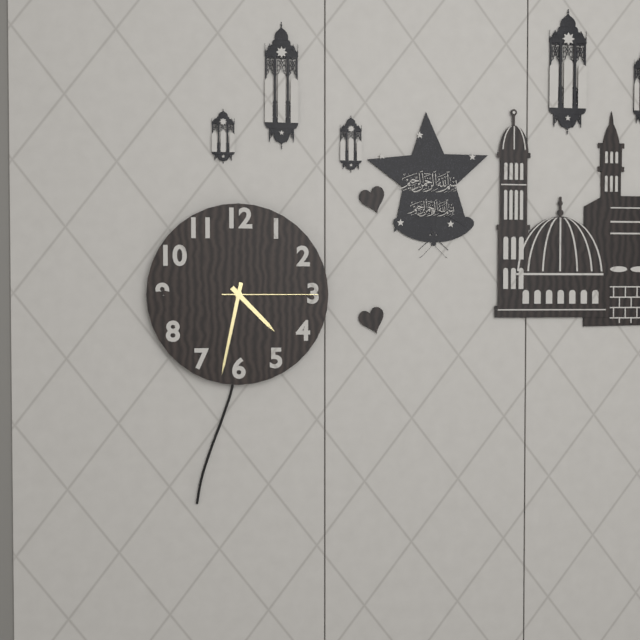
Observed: h=4 m=32 s=15
